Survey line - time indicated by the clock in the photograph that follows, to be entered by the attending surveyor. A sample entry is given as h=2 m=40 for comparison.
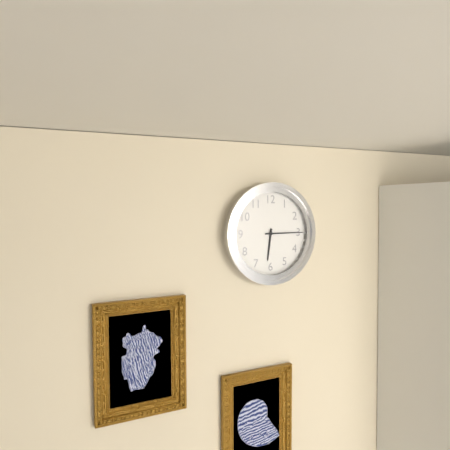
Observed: h=6 m=15
